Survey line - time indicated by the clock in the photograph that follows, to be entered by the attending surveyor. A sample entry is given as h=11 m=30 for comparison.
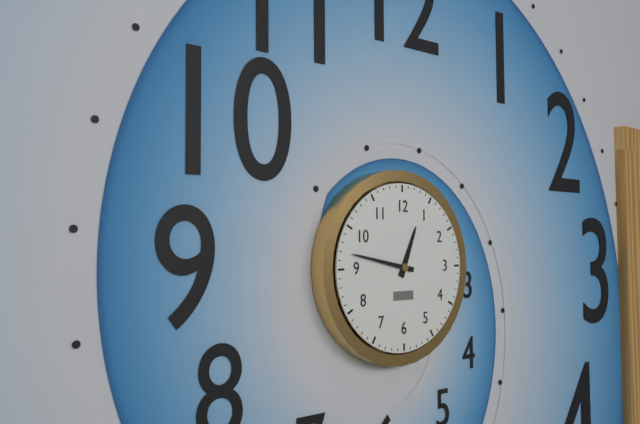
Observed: h=12 m=47
